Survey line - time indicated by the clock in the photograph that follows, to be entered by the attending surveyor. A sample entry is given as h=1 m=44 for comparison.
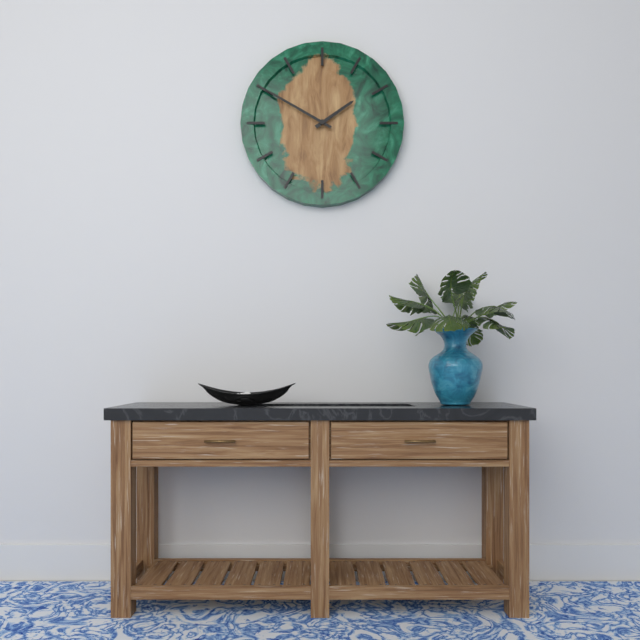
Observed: h=1 m=50
